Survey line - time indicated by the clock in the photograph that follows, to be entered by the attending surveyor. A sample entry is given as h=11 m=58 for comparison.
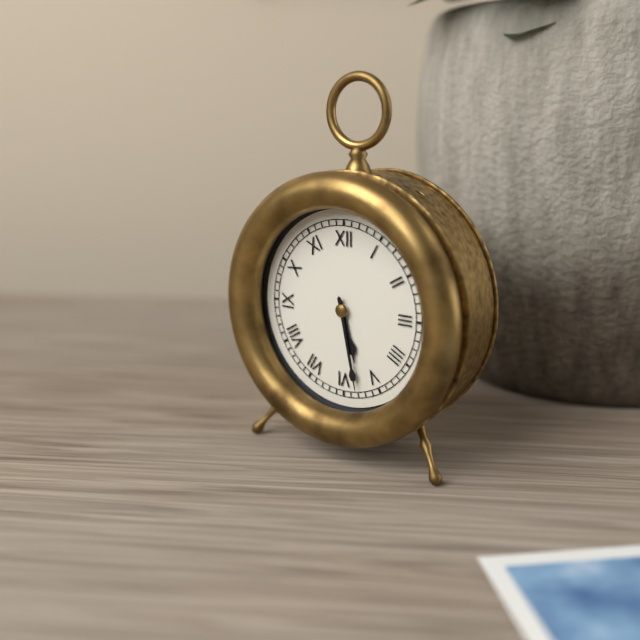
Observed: h=5 m=28
